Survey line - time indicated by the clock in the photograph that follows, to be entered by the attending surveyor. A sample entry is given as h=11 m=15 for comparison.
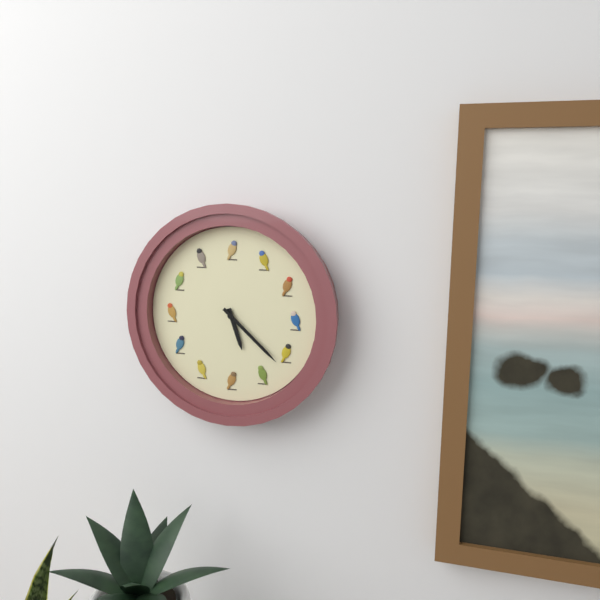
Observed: h=5 m=22
